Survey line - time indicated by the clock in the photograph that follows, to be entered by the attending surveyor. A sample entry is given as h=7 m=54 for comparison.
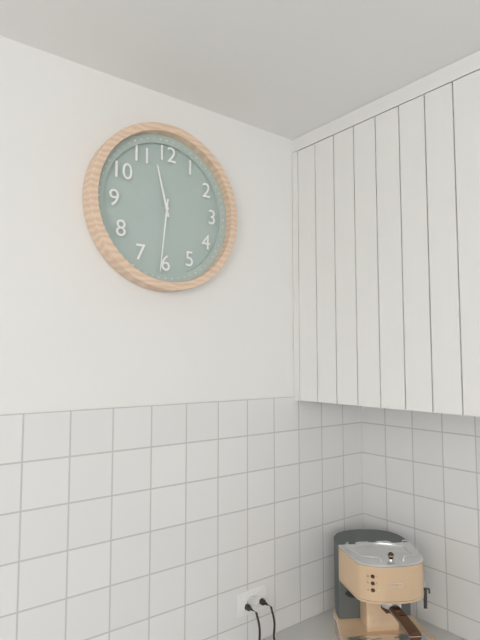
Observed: h=11 m=31
